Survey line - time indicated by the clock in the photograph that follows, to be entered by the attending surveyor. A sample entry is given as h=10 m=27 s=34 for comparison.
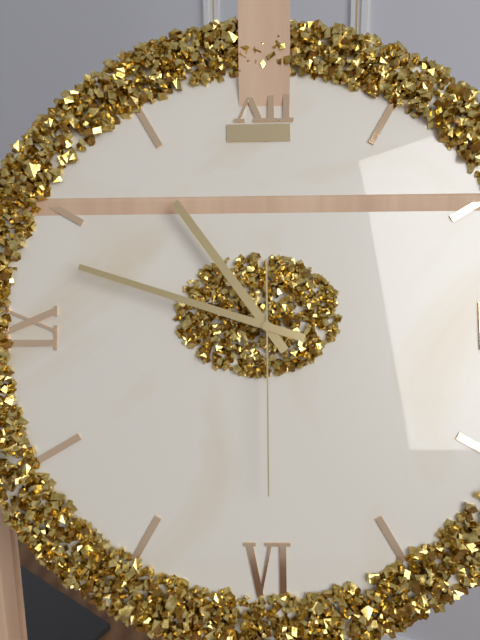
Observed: h=10 m=48 s=30
